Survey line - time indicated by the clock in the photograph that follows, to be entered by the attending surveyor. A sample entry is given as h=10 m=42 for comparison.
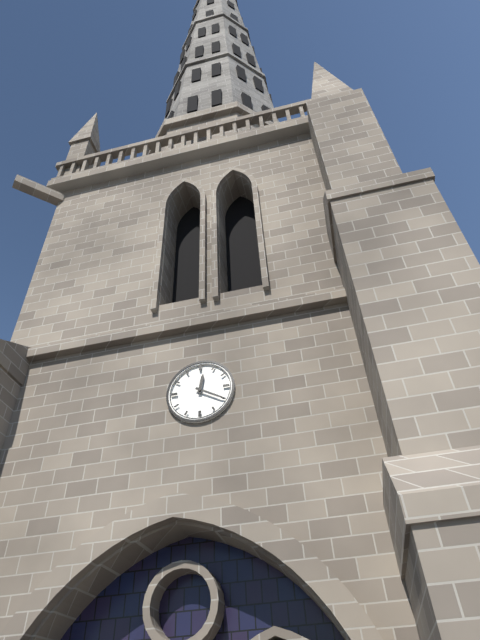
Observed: h=12 m=20
